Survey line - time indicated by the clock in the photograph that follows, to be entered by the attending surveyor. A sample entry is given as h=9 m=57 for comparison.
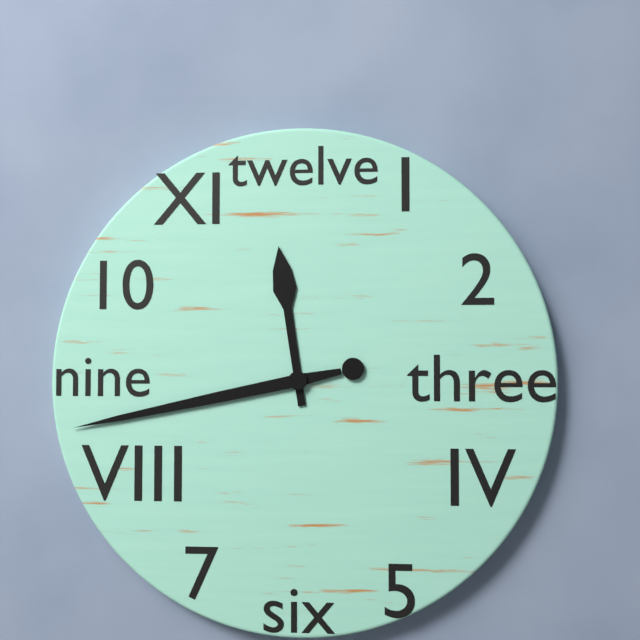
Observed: h=11 m=43
